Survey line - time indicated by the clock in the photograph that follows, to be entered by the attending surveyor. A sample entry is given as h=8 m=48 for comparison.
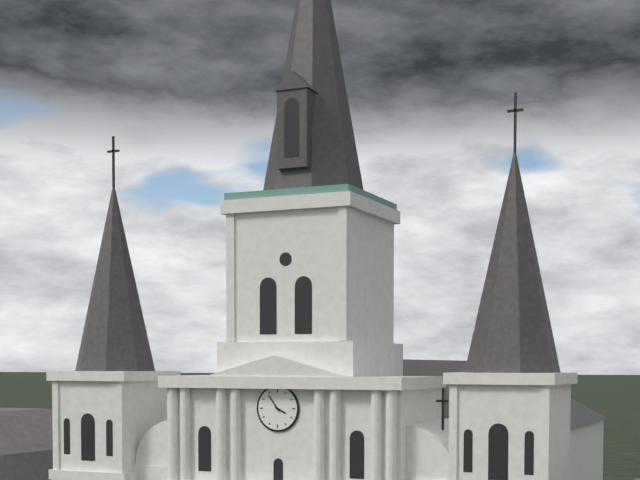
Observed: h=3 m=54
